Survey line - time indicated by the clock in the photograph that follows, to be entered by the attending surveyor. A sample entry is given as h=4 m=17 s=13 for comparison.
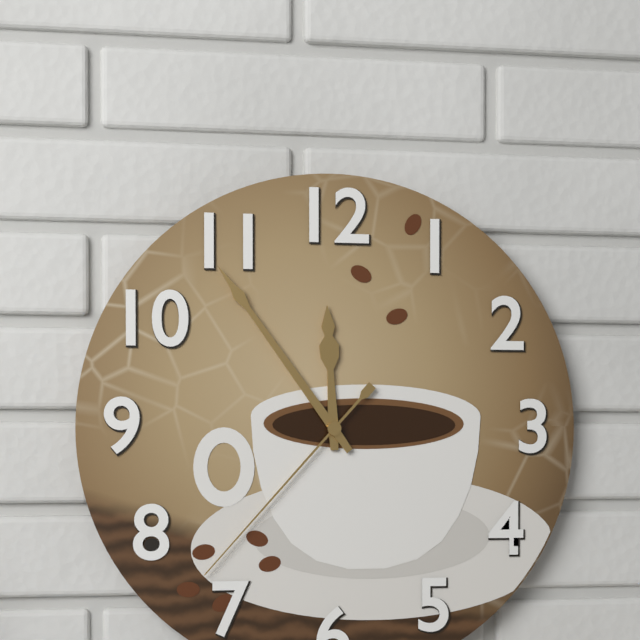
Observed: h=11 m=54 s=37
